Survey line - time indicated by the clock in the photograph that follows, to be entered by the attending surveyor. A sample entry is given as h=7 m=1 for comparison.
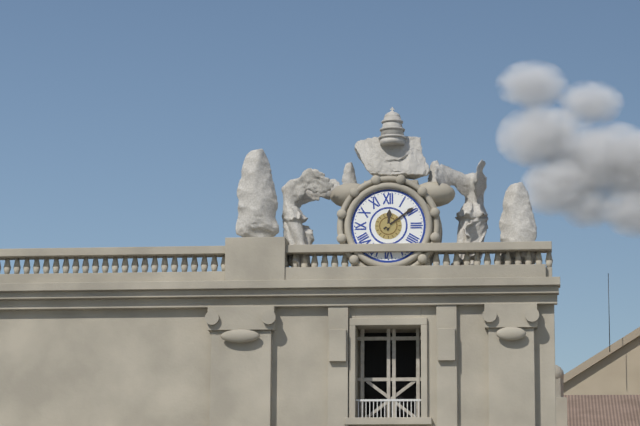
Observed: h=12 m=9
